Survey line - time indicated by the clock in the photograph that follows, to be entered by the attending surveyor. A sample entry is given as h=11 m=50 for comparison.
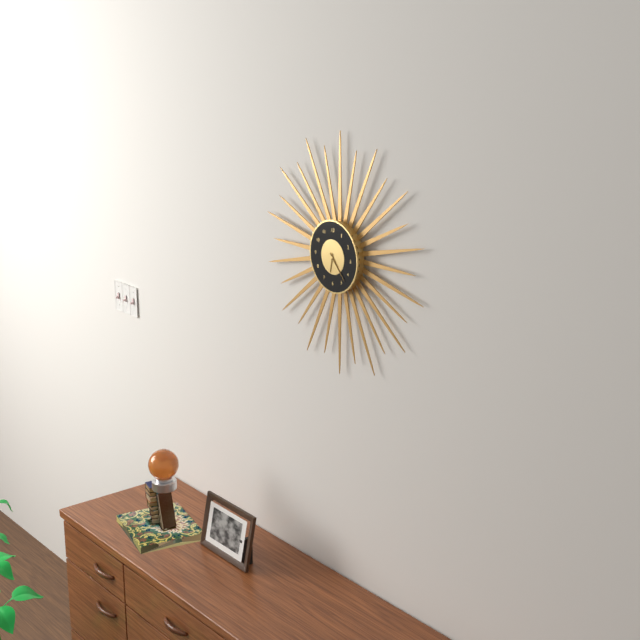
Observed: h=6 m=23
